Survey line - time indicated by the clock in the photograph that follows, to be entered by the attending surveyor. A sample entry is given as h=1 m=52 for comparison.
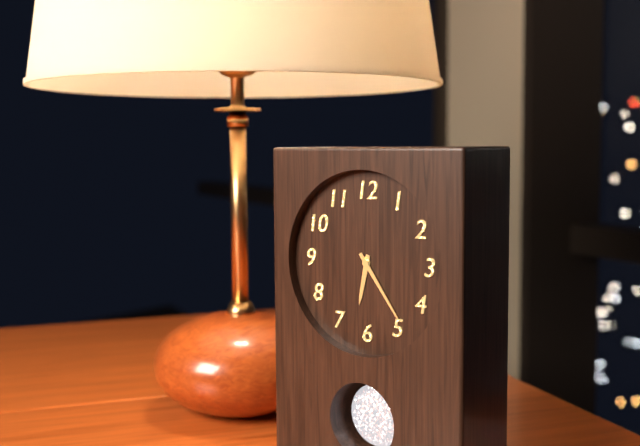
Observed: h=6 m=24
